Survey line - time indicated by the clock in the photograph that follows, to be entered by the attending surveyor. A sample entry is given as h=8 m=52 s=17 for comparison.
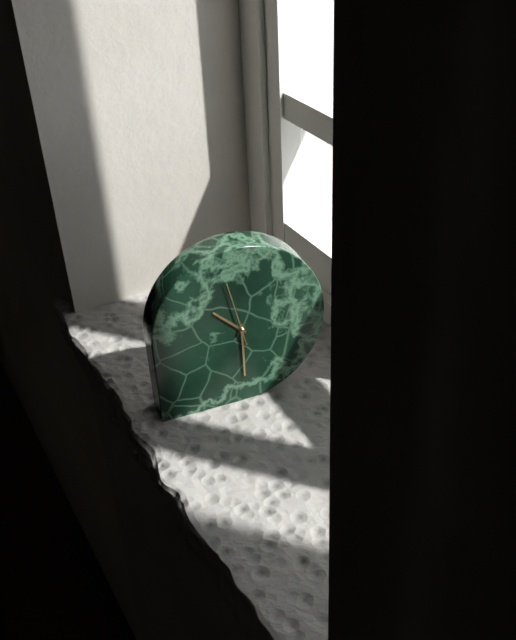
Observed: h=10 m=30 s=58
